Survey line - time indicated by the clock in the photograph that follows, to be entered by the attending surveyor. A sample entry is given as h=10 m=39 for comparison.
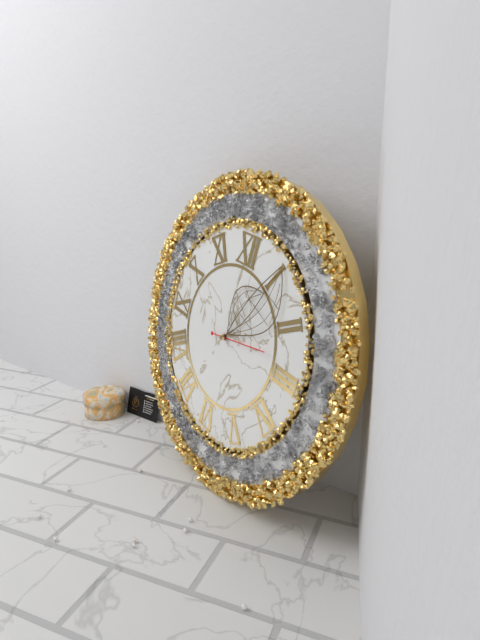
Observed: h=1 m=5
